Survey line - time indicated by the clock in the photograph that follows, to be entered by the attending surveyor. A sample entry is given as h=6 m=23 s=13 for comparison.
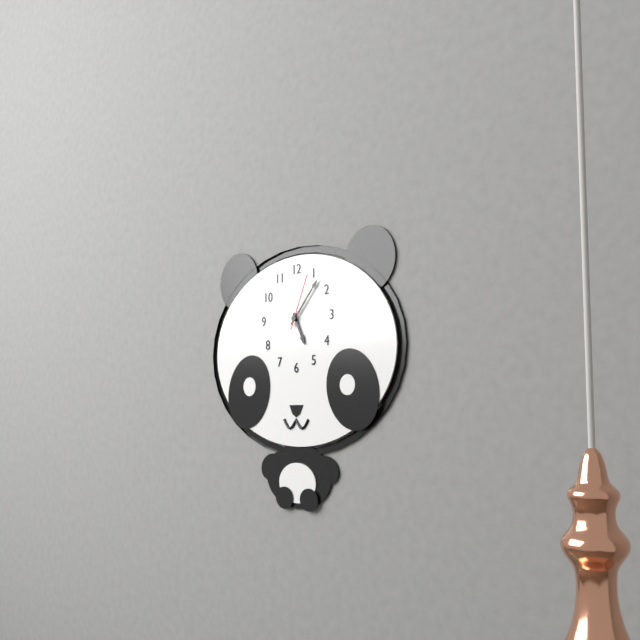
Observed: h=5 m=7 s=4
